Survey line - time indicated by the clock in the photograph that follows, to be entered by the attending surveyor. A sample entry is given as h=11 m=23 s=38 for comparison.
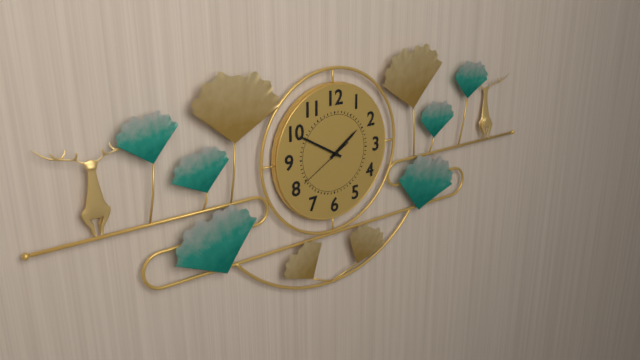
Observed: h=1 m=50 s=40
